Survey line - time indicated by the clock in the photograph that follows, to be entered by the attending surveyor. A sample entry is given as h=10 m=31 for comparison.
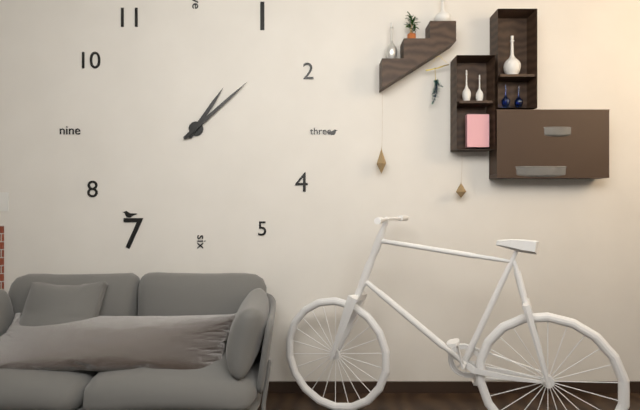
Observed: h=1 m=8
